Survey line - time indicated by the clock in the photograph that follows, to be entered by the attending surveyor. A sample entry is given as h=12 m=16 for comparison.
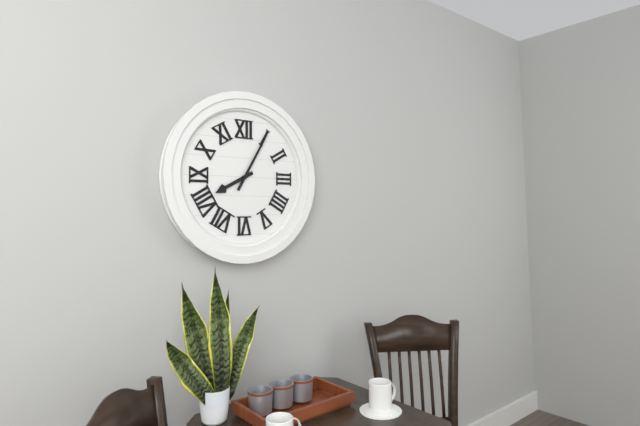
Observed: h=8 m=5
